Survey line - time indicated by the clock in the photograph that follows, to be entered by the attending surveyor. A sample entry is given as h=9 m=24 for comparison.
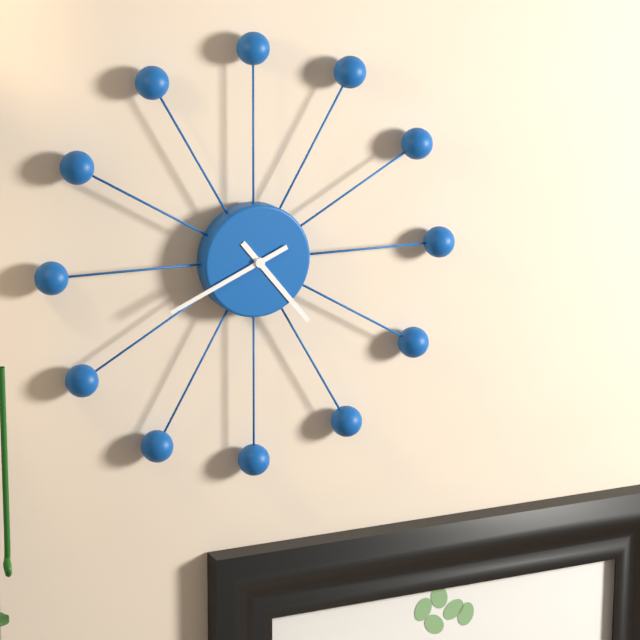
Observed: h=4 m=41
